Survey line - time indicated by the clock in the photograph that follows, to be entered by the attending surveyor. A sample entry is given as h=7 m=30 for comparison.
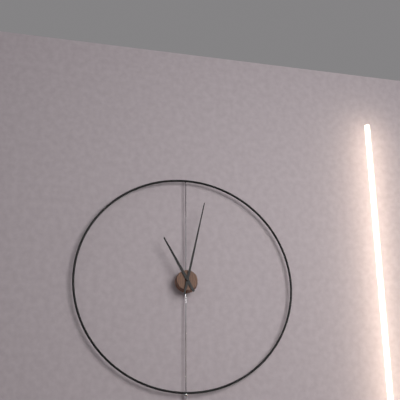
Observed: h=11 m=2
